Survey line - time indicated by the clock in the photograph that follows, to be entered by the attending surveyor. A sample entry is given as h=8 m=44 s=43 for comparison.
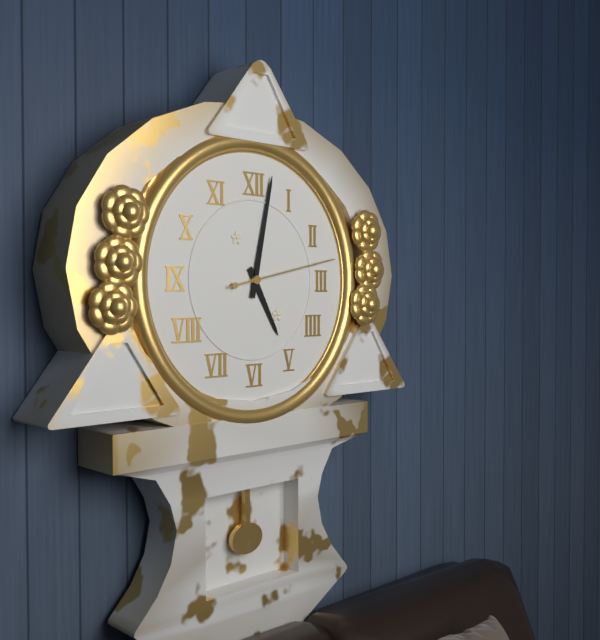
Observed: h=5 m=2 s=13
